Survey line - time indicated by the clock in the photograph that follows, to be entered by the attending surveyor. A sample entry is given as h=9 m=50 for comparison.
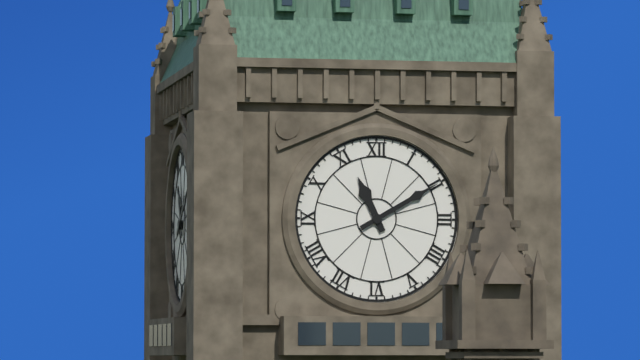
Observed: h=11 m=10
